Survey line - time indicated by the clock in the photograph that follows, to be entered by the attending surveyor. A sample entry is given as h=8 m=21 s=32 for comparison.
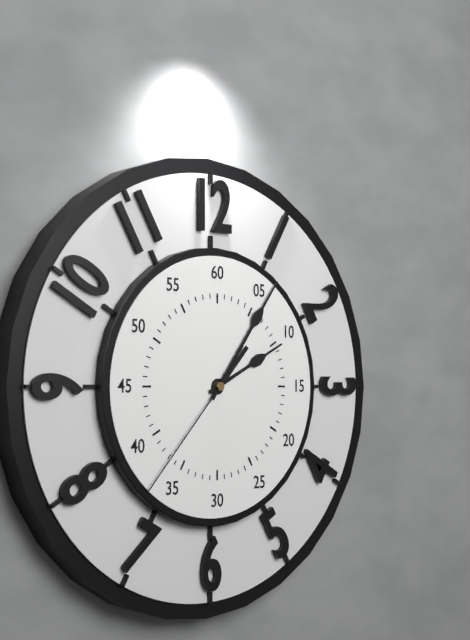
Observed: h=2 m=6 s=37
